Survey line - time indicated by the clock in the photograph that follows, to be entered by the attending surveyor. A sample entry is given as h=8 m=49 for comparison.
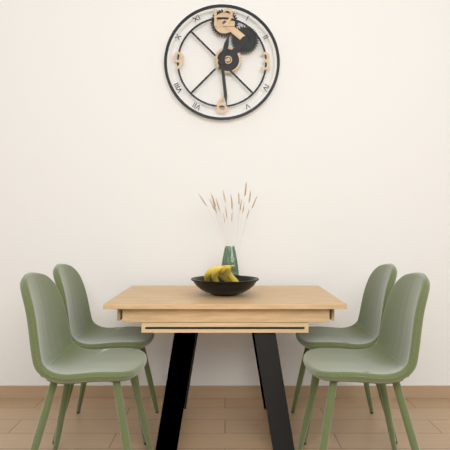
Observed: h=12 m=29
